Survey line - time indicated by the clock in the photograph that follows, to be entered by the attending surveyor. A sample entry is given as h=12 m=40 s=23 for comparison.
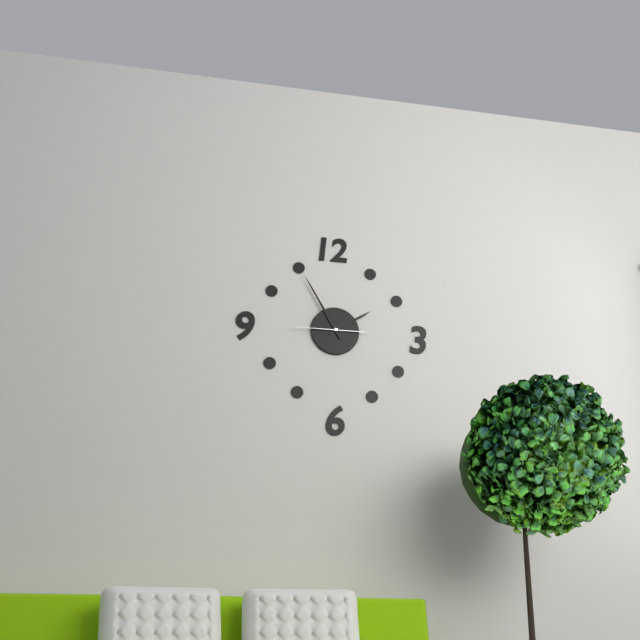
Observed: h=1 m=55 s=45
